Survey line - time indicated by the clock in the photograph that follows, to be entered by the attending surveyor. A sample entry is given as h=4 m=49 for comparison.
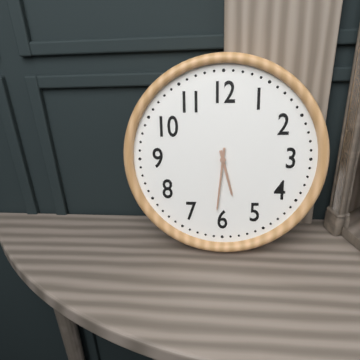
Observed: h=5 m=31
